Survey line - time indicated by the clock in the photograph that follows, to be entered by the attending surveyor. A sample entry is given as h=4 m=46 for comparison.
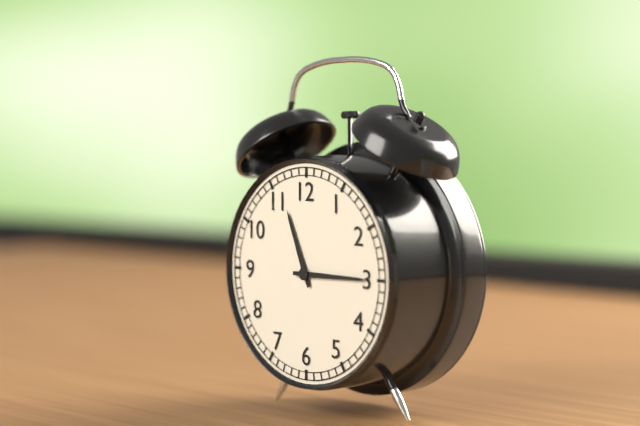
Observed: h=11 m=15
